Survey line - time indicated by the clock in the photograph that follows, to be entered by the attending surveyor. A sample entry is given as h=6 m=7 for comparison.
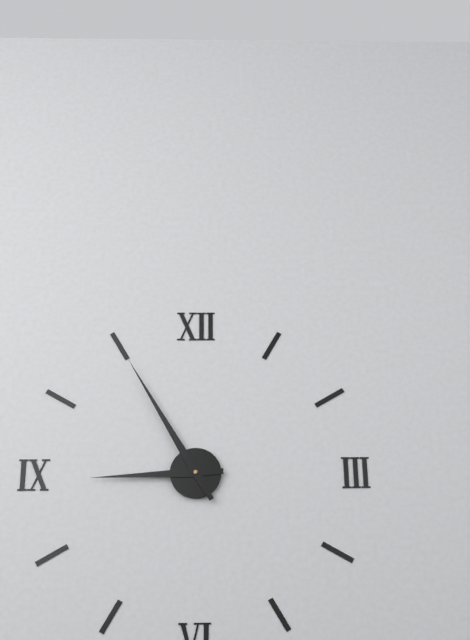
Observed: h=8 m=55
